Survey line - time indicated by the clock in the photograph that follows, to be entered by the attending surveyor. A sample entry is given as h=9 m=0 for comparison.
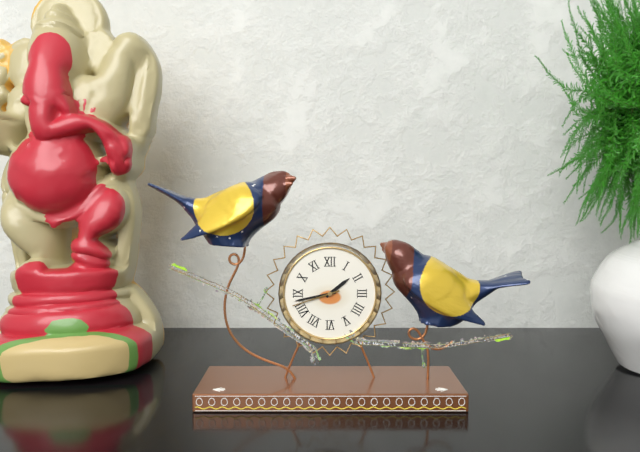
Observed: h=1 m=43
